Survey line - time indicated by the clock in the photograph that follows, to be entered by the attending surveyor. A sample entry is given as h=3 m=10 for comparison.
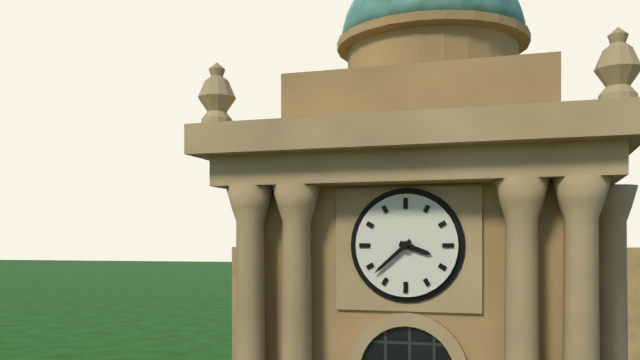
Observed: h=3 m=38
